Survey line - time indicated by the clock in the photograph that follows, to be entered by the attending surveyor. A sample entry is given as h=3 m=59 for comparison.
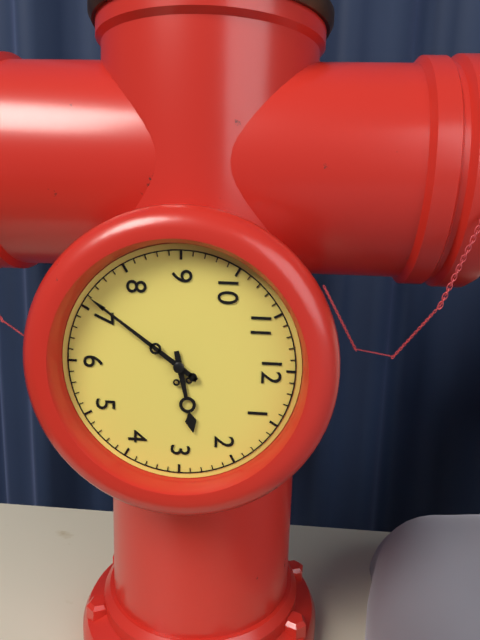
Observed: h=2 m=36
